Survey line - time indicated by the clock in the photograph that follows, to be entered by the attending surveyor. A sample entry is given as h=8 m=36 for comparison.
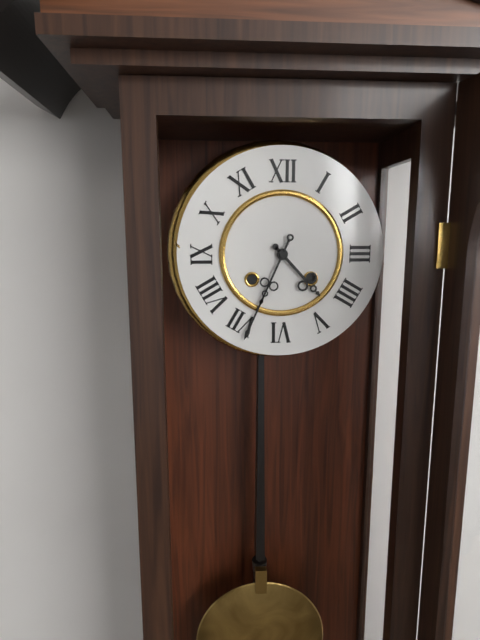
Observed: h=4 m=34
